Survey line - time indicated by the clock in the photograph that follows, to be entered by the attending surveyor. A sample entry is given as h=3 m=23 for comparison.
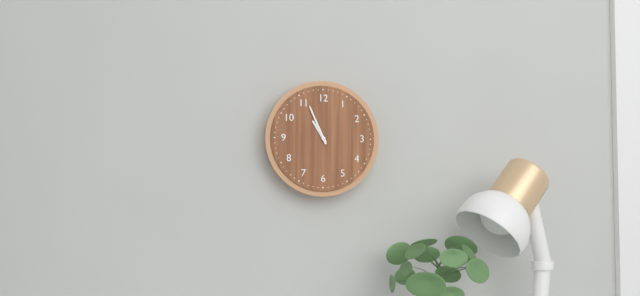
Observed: h=10 m=56
